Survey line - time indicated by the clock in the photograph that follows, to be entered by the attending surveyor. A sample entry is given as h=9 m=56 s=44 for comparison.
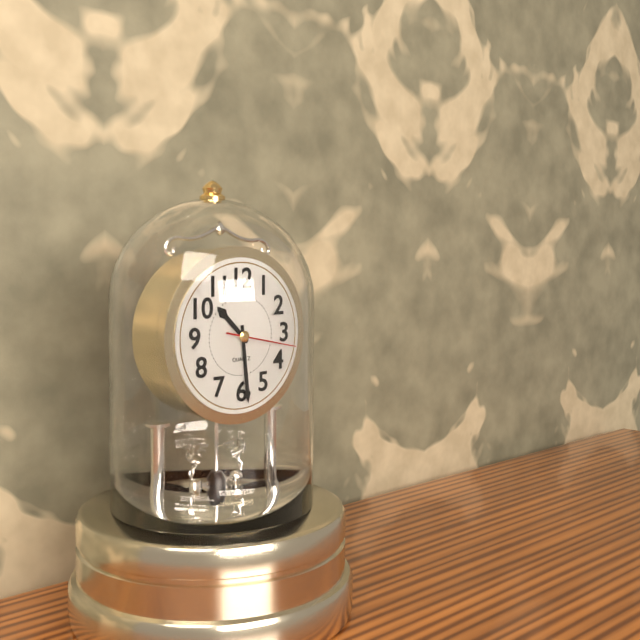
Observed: h=10 m=29 s=17
